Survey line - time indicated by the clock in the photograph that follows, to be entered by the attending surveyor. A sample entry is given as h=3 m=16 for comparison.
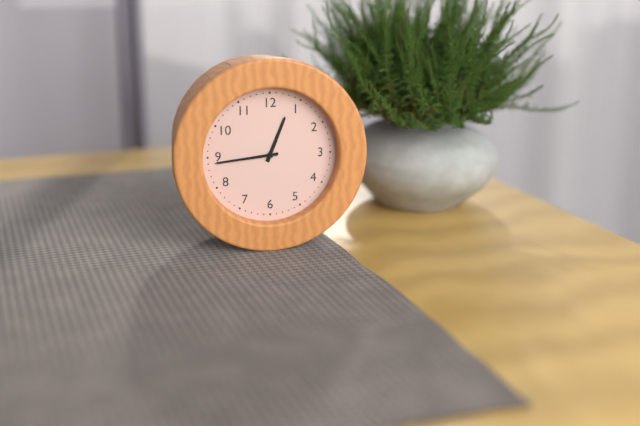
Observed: h=12 m=44
